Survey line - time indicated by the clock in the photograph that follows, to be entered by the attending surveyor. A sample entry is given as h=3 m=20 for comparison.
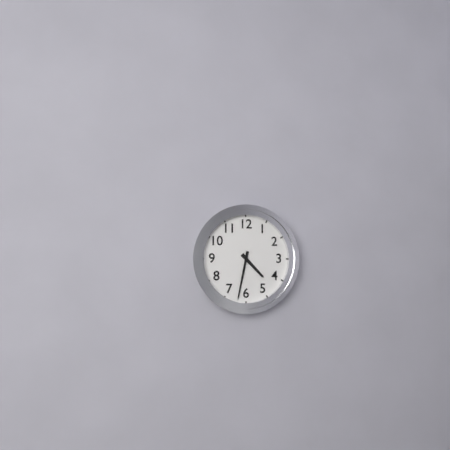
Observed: h=4 m=32
